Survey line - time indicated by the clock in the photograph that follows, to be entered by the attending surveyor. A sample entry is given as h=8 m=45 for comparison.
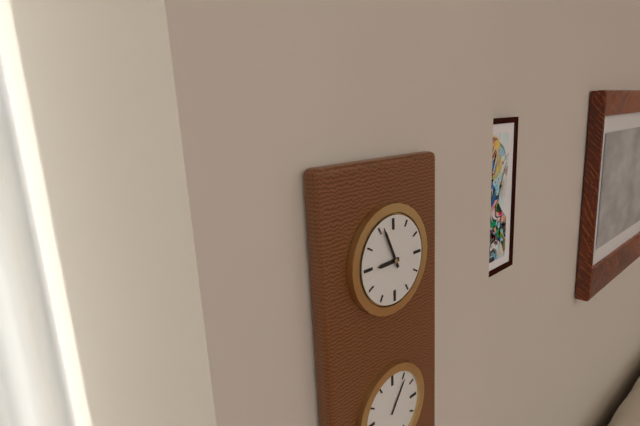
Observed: h=8 m=56
